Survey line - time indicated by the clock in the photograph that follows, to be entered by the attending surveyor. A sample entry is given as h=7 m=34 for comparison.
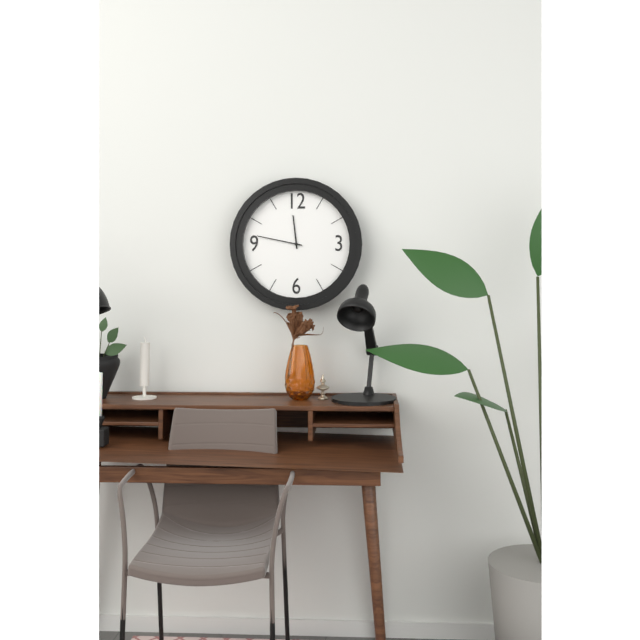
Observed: h=11 m=47
